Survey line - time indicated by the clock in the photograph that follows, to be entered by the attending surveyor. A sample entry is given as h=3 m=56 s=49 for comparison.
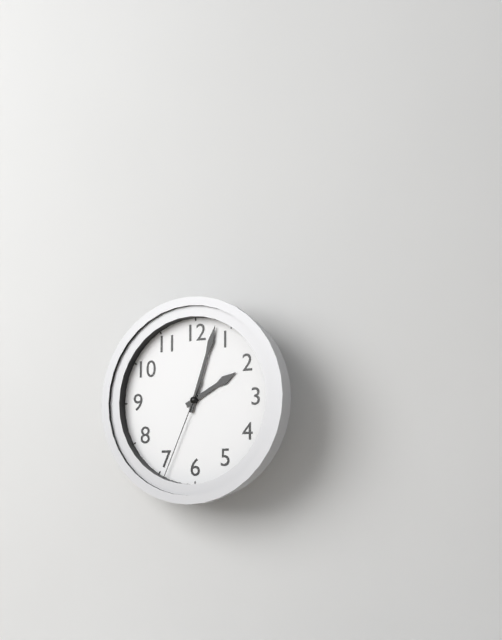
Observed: h=2 m=3 s=34
